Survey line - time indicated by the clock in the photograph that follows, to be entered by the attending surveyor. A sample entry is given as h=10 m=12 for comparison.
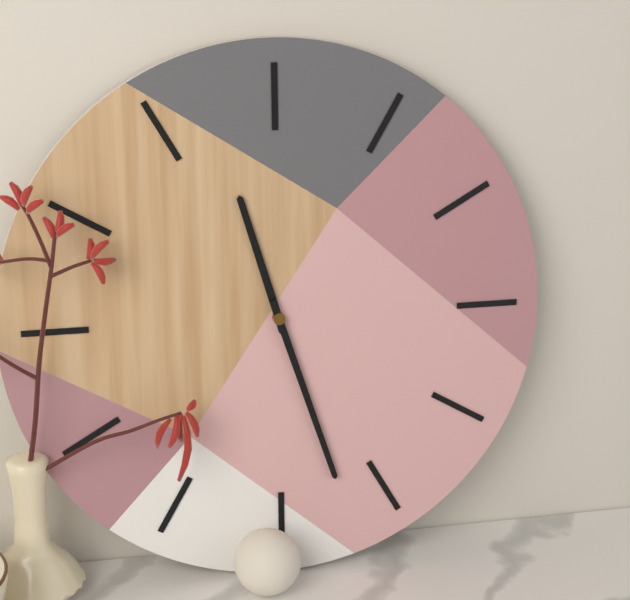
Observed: h=11 m=27
